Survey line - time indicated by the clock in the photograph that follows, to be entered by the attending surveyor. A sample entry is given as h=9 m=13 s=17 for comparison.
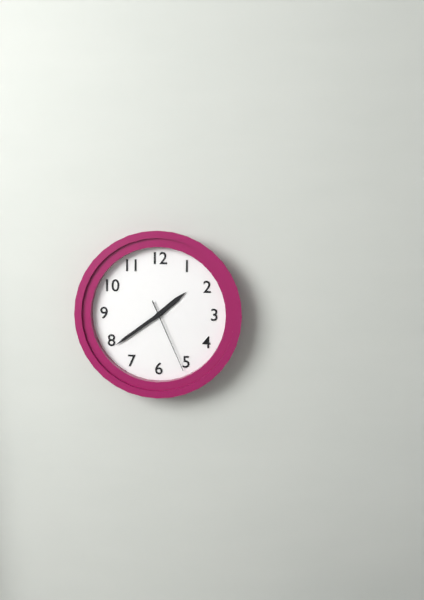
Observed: h=1 m=39 s=26
